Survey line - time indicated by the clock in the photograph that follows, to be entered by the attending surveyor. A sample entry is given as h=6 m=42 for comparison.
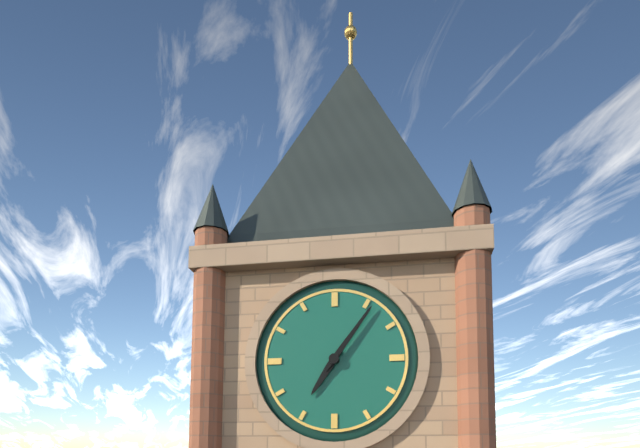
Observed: h=7 m=6
